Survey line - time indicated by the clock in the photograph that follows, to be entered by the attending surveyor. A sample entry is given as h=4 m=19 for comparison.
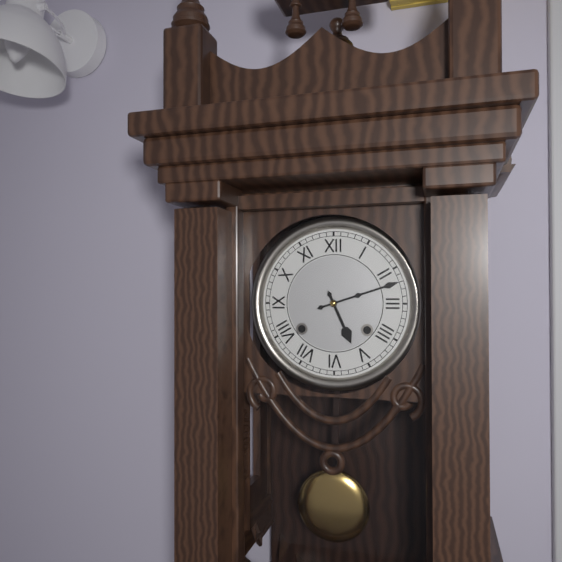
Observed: h=5 m=12
